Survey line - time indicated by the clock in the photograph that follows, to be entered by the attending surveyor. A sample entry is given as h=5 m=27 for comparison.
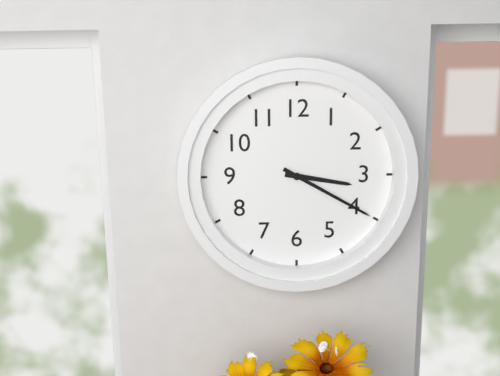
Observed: h=3 m=20
